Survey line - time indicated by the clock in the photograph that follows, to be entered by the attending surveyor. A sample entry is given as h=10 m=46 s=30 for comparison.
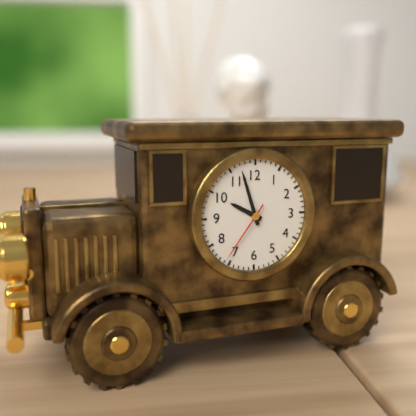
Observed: h=9 m=57 s=36
